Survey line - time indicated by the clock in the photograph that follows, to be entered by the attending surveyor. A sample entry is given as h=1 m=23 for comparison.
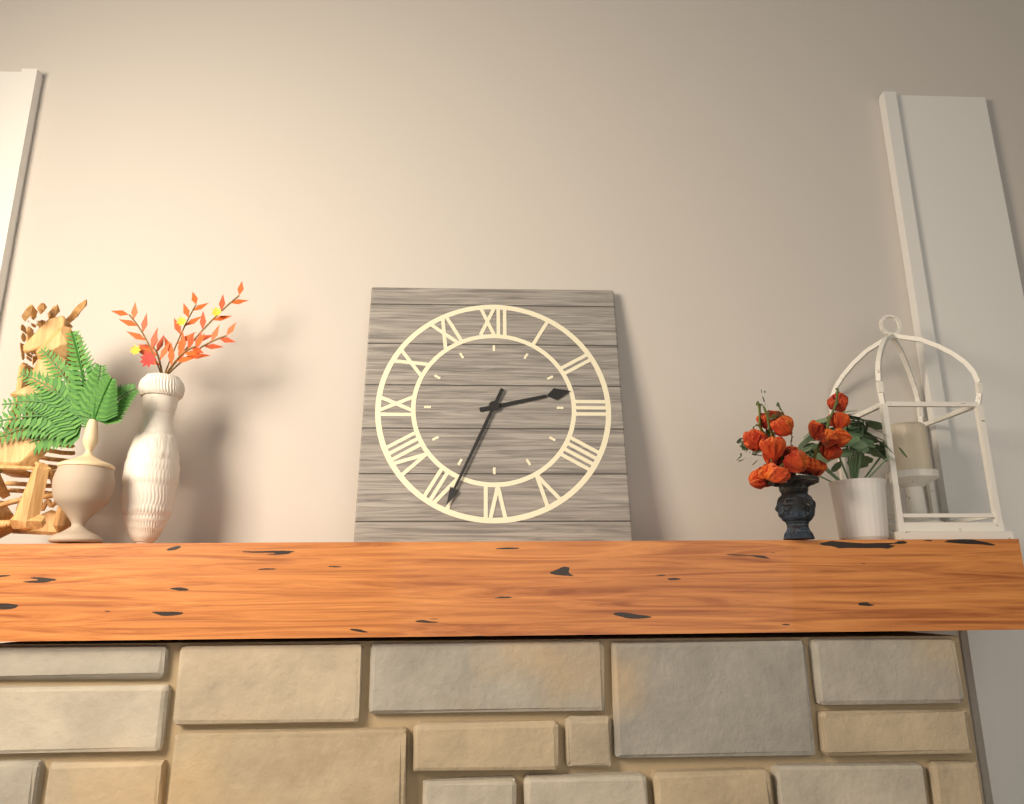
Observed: h=2 m=34
